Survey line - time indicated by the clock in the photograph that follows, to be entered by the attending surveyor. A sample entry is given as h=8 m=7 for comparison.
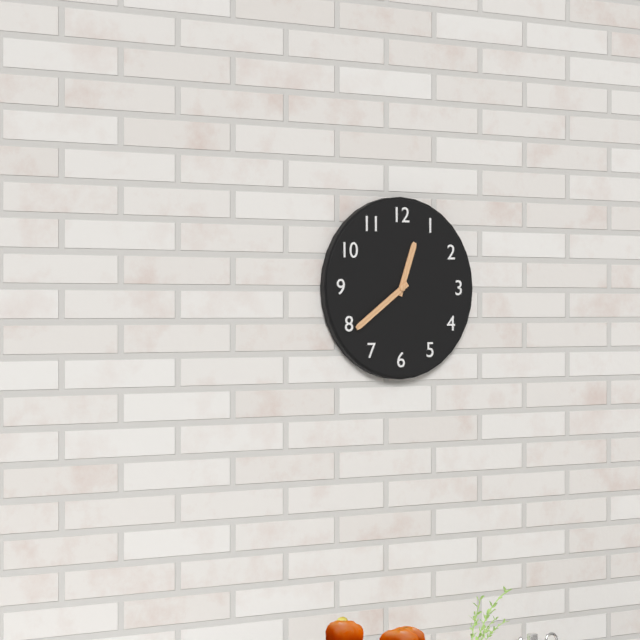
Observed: h=12 m=39
